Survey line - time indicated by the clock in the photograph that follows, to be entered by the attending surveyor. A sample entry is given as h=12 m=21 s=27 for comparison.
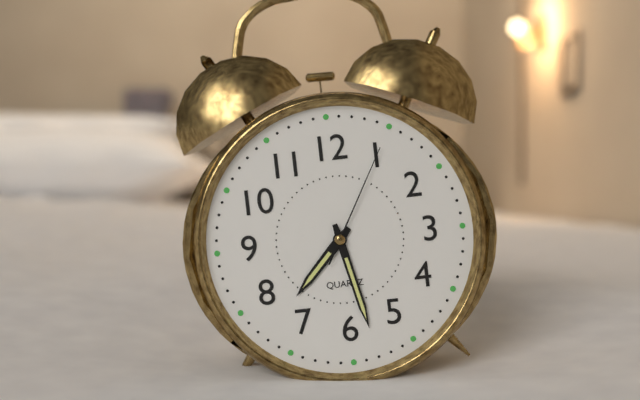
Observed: h=7 m=28 s=5
